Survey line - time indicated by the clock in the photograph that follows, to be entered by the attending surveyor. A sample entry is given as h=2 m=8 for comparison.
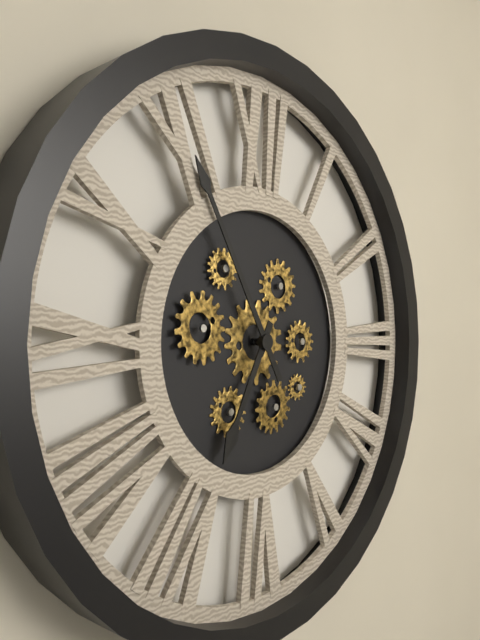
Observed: h=6 m=55
